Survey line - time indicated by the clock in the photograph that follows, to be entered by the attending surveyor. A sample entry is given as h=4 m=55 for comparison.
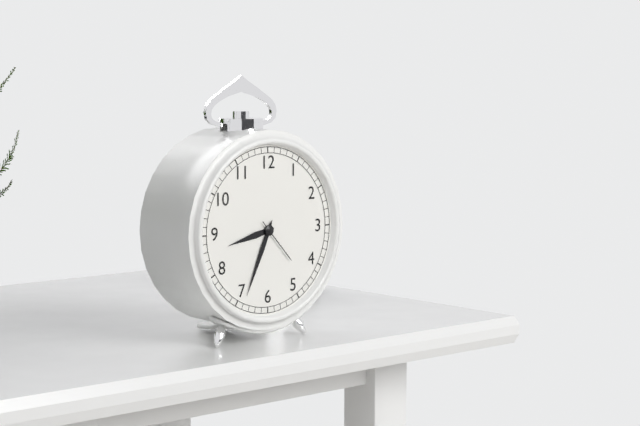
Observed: h=8 m=34
